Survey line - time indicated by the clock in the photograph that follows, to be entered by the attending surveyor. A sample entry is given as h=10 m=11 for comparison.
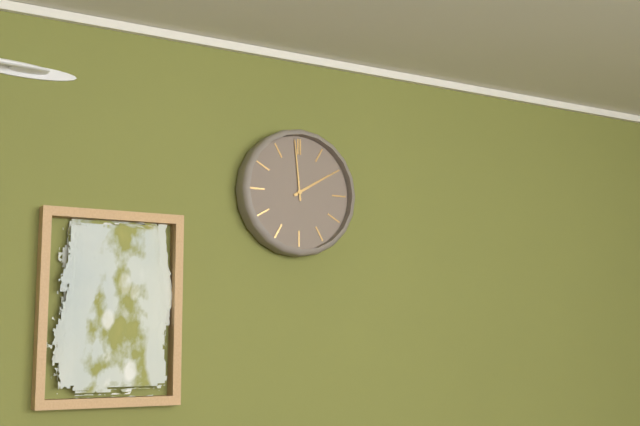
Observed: h=1 m=59
